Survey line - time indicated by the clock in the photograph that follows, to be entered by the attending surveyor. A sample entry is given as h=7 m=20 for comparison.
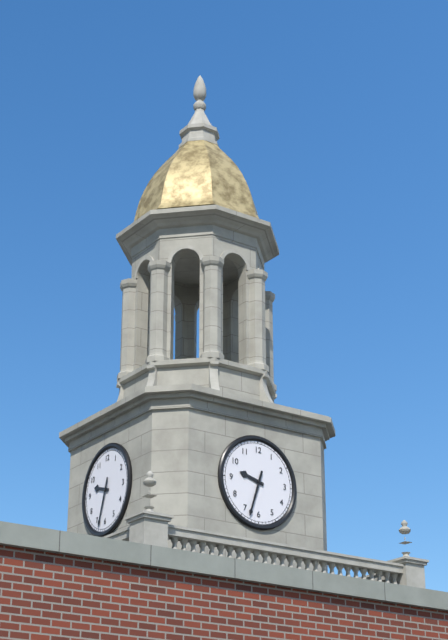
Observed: h=9 m=33
